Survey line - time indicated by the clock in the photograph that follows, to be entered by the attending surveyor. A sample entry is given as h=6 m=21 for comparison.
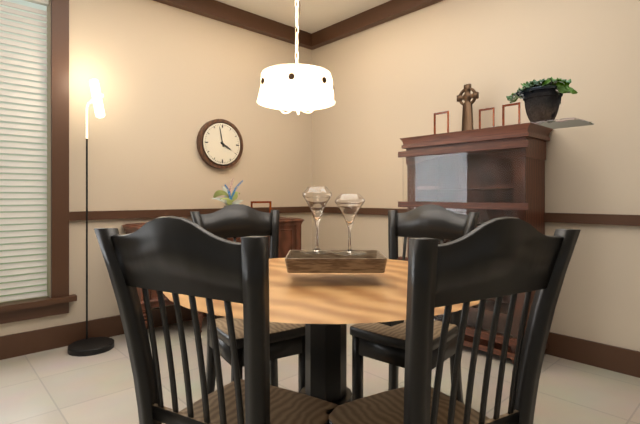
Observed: h=3 m=58
